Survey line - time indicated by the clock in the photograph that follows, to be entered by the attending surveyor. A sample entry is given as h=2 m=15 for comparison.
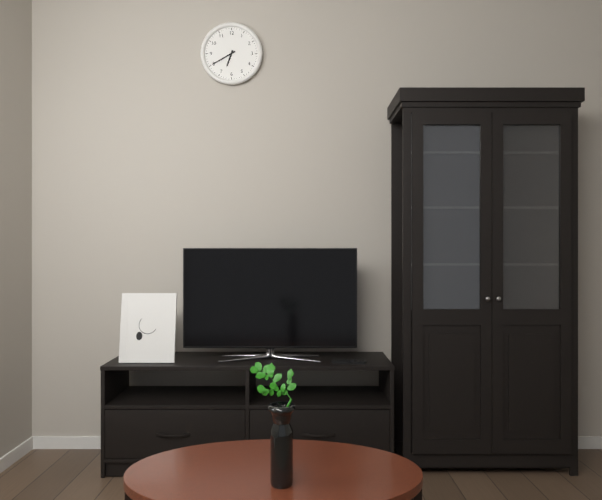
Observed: h=6 m=40
